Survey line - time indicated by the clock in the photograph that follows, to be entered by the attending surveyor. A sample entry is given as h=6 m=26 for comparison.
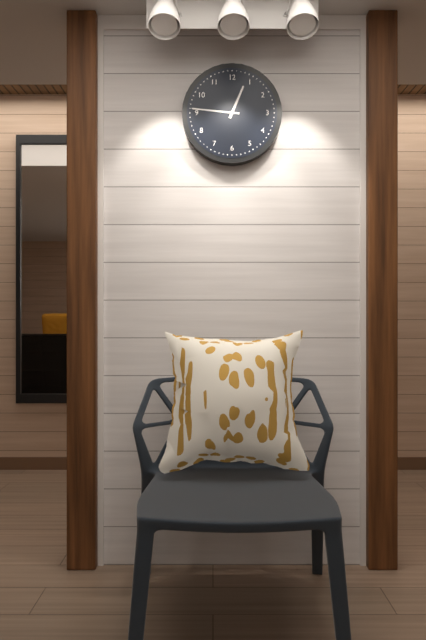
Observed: h=12 m=46
